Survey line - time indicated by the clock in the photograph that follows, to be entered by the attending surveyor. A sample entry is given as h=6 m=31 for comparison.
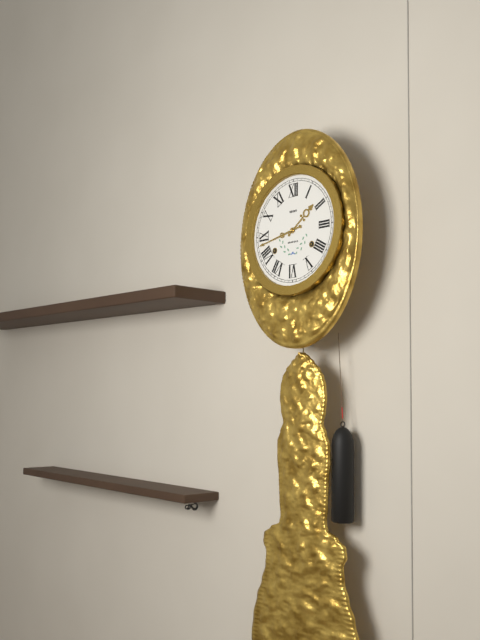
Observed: h=1 m=43
